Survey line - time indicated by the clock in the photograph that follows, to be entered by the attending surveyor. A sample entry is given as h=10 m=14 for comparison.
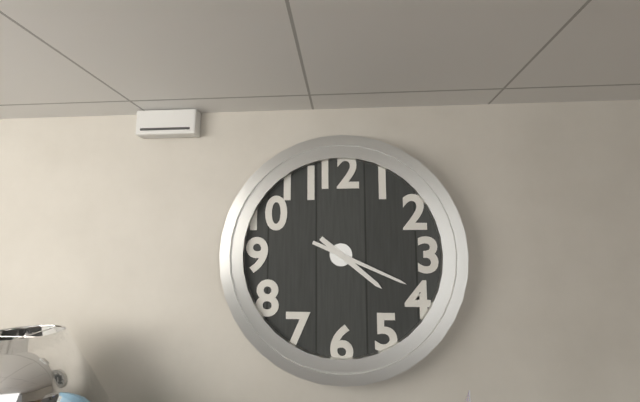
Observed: h=4 m=19
